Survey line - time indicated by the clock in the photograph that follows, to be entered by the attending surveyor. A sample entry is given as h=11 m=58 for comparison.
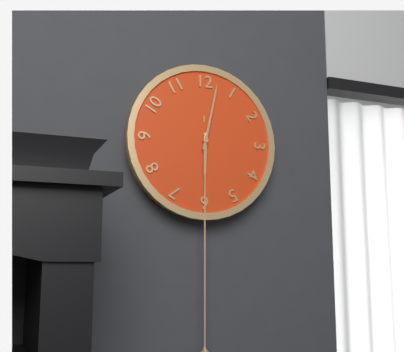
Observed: h=6 m=2
